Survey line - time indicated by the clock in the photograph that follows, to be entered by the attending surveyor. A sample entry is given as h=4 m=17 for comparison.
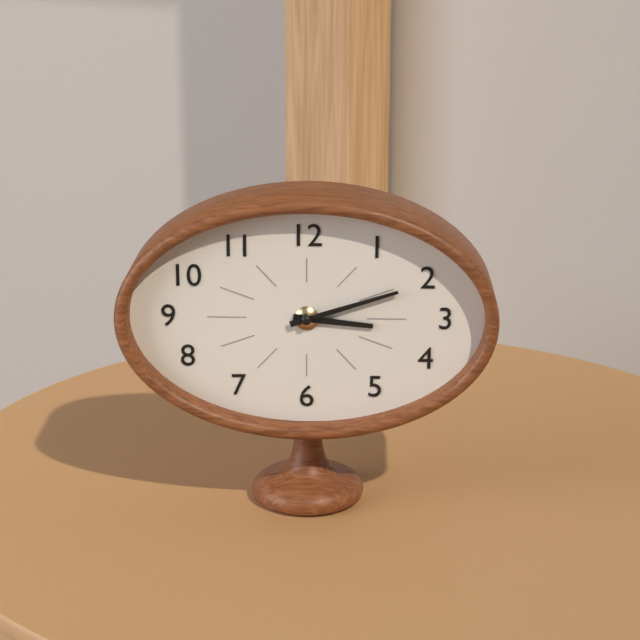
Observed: h=3 m=12
